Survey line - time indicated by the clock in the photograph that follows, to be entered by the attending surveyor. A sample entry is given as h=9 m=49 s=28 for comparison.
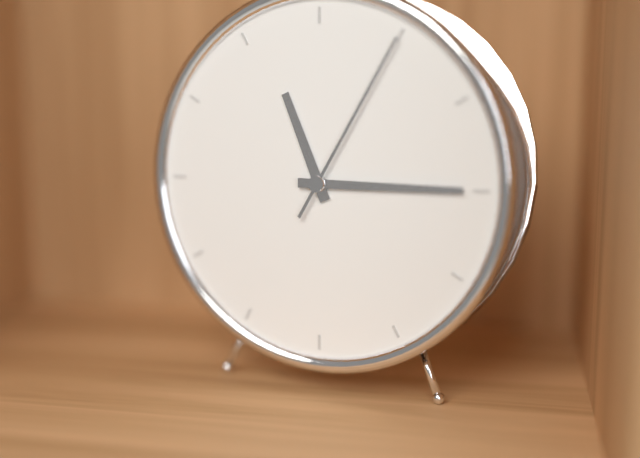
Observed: h=11 m=15 s=5
